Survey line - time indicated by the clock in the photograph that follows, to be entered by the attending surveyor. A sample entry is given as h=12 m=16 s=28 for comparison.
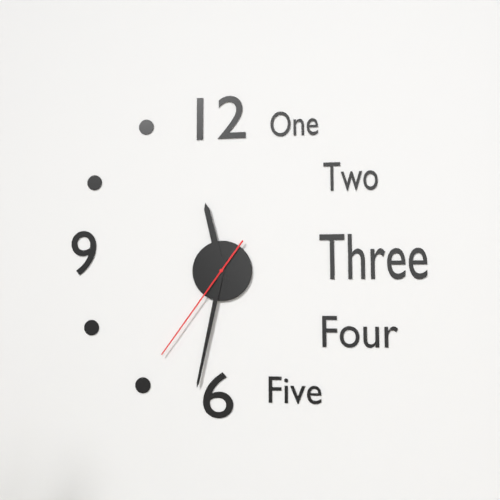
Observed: h=11 m=32 s=36
